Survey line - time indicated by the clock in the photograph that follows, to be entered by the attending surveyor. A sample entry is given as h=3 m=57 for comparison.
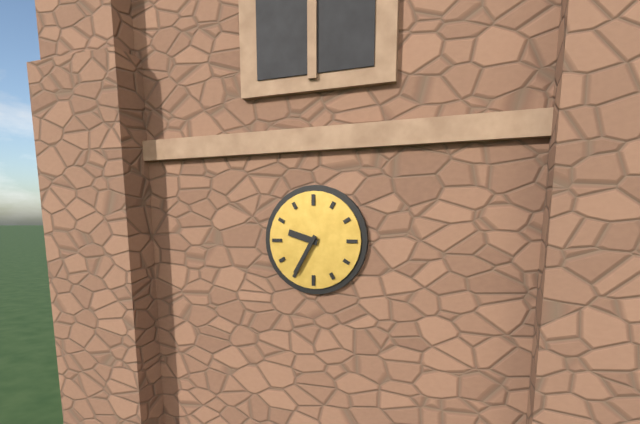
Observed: h=9 m=35
